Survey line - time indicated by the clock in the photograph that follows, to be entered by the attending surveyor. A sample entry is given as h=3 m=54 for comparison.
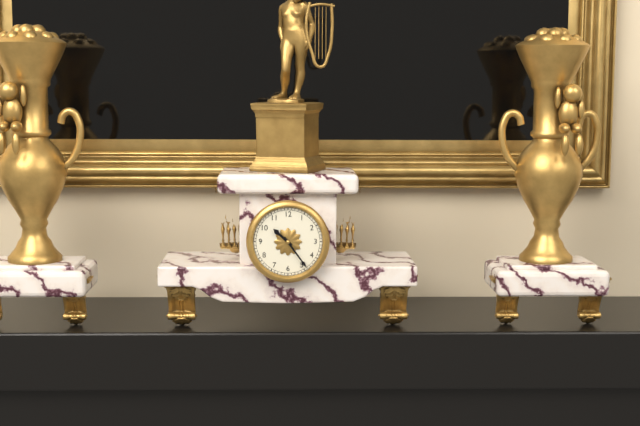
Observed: h=10 m=24
